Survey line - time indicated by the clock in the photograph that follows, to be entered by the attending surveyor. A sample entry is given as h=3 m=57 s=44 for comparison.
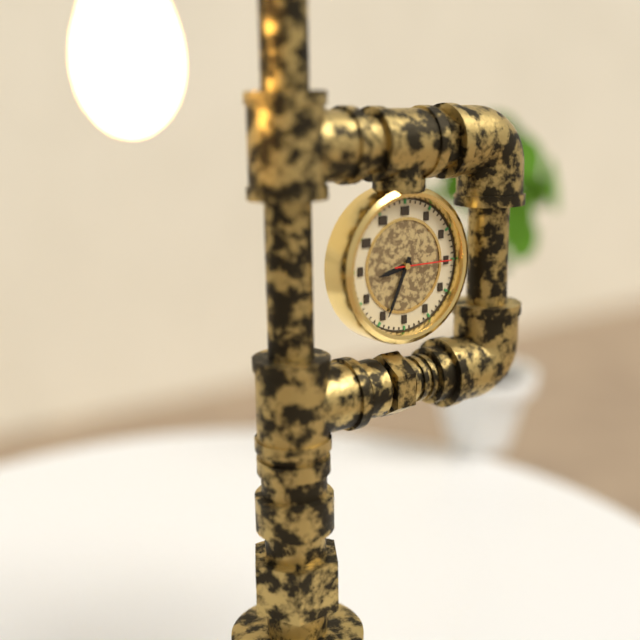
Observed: h=8 m=34 s=15
